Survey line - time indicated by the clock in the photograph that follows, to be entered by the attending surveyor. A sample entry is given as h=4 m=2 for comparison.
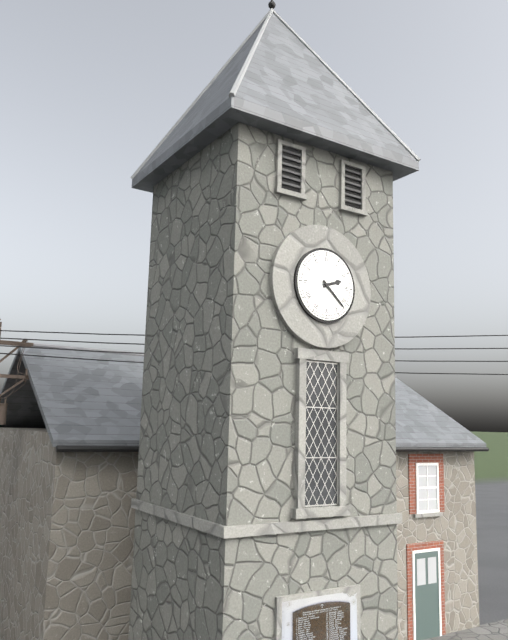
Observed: h=2 m=22
